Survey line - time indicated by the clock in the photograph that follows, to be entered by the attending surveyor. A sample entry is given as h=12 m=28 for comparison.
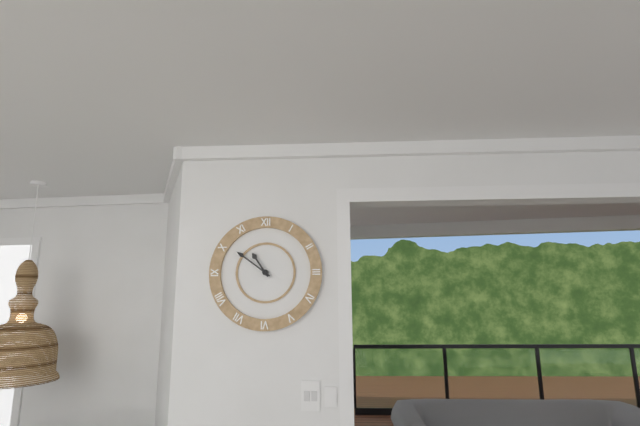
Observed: h=10 m=51
